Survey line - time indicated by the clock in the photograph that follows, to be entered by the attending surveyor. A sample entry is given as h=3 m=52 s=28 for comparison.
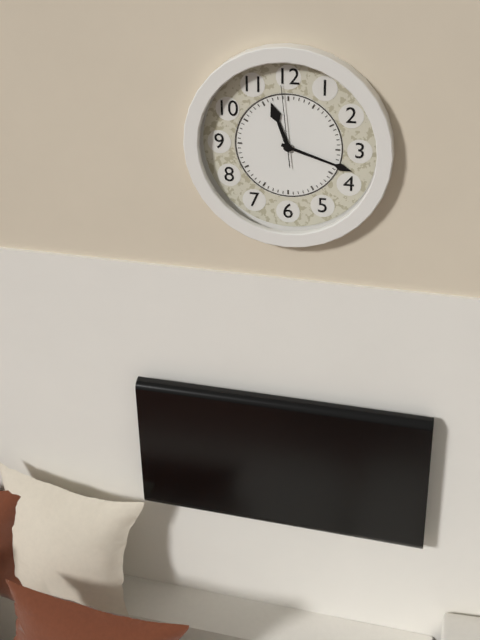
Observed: h=11 m=18 s=59
